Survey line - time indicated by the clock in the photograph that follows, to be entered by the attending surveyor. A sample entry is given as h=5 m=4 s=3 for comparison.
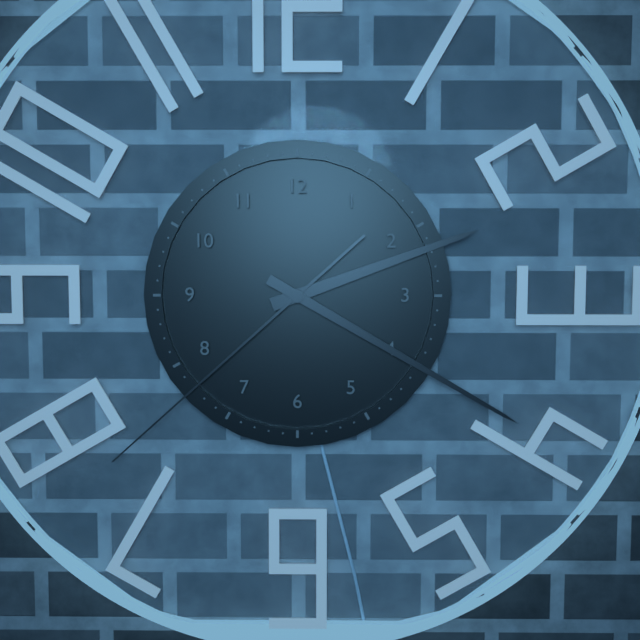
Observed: h=2 m=20 s=38
